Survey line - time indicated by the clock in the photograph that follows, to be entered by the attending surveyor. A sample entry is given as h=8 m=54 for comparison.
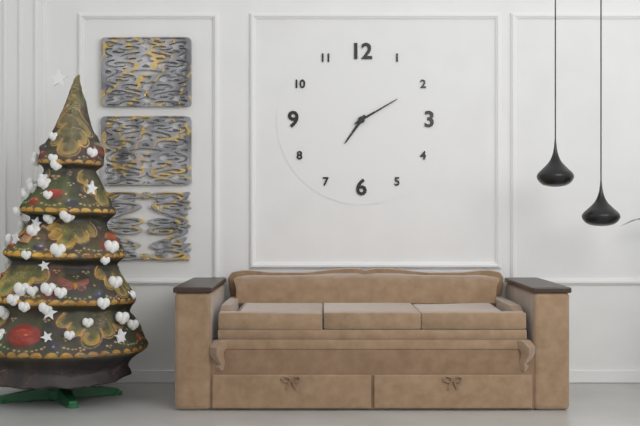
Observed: h=7 m=10
